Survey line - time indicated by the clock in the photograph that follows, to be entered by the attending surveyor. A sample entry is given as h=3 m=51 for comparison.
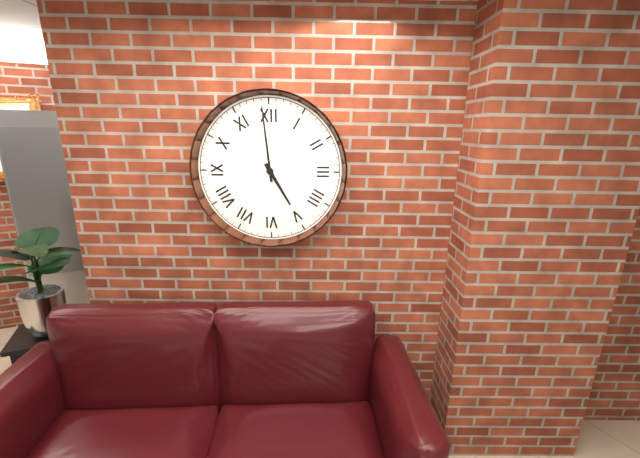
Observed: h=4 m=59
